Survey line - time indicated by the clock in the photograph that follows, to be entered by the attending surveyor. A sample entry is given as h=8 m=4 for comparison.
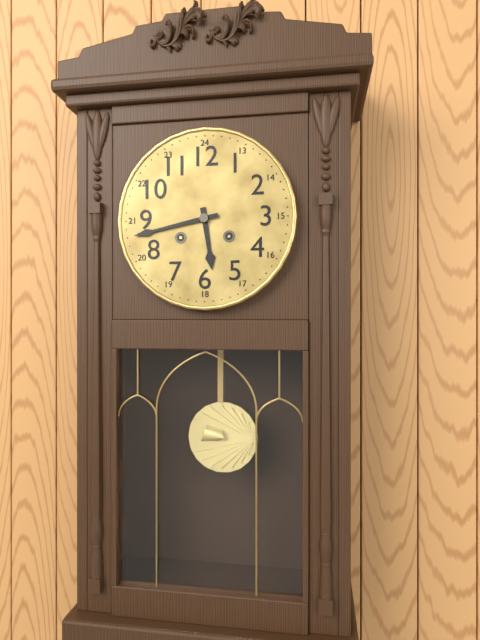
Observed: h=5 m=43
